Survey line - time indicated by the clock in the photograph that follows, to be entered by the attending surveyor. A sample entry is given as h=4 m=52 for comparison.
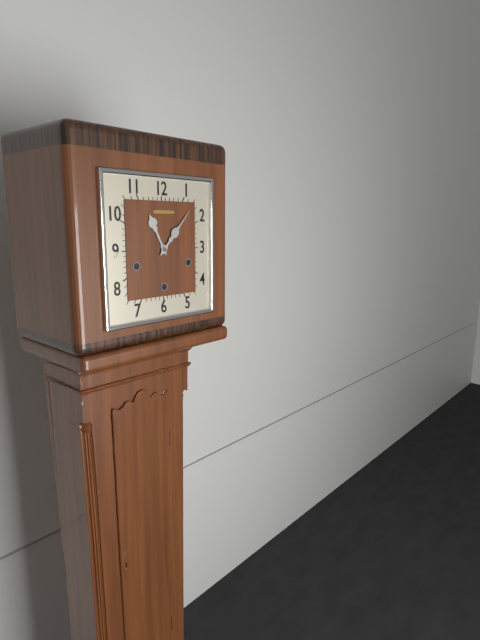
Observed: h=11 m=7
